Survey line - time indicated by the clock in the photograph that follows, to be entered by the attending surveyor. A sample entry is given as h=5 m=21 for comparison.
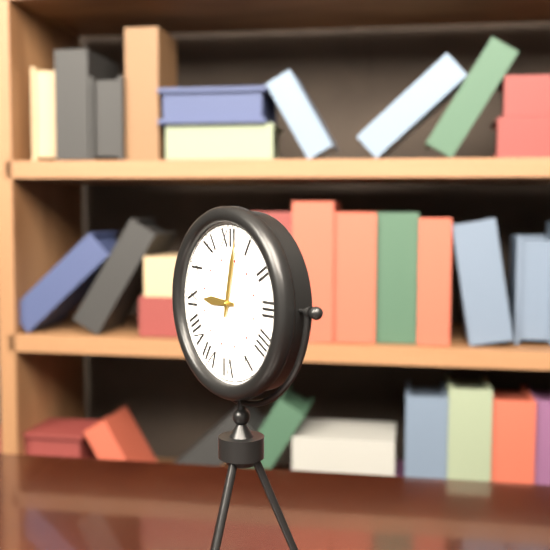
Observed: h=9 m=2
